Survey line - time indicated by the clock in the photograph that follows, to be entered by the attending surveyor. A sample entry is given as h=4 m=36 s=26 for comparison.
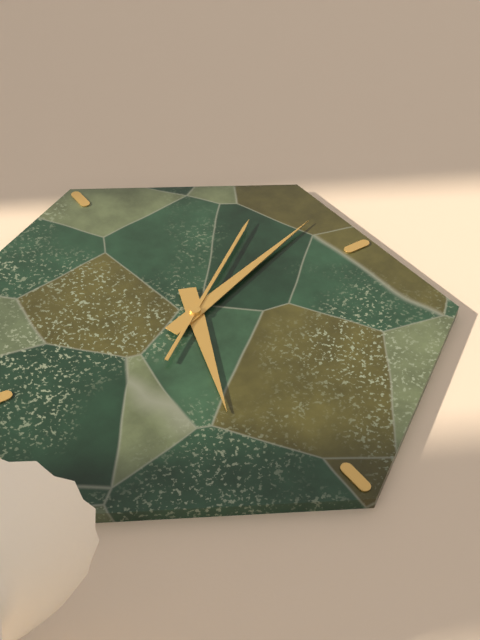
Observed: h=12 m=42 s=39
